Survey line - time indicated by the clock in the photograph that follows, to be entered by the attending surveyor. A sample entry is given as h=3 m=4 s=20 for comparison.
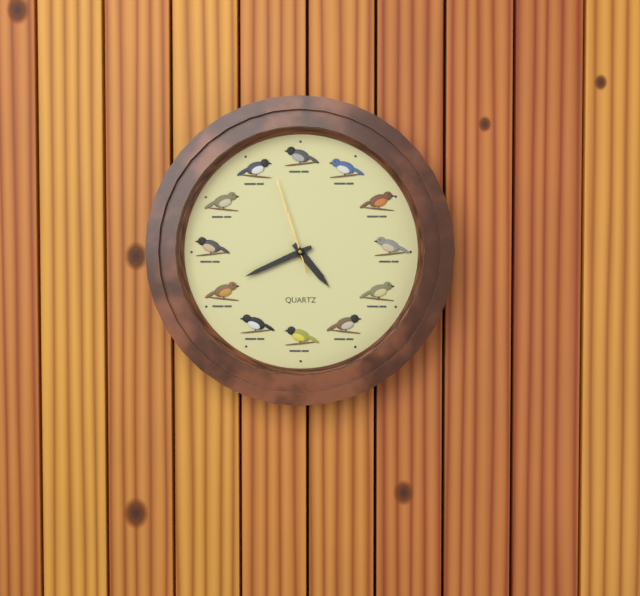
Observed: h=4 m=41 s=57
